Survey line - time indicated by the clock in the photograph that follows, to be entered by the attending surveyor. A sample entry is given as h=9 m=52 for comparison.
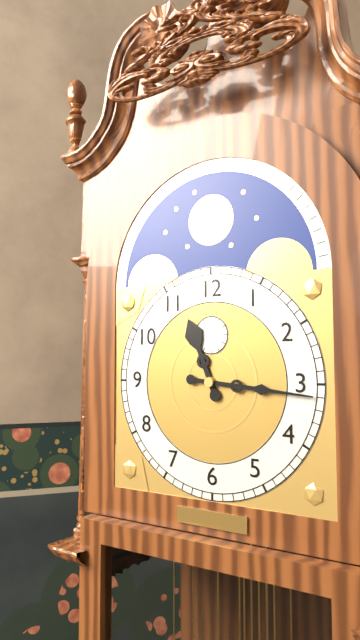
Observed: h=11 m=16
